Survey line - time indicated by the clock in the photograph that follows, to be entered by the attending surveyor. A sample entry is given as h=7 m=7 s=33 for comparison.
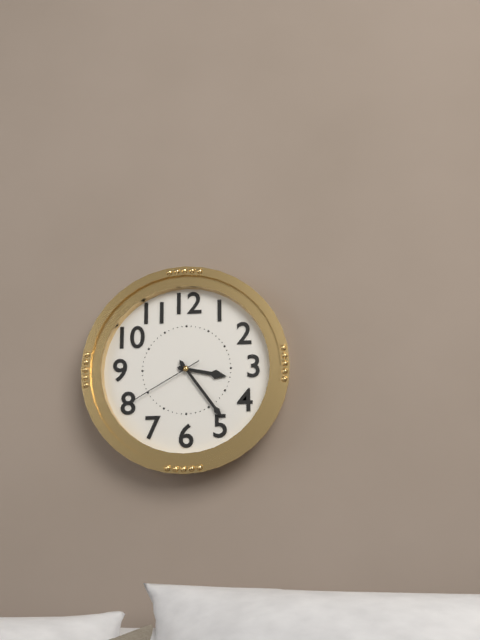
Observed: h=3 m=24 s=40
